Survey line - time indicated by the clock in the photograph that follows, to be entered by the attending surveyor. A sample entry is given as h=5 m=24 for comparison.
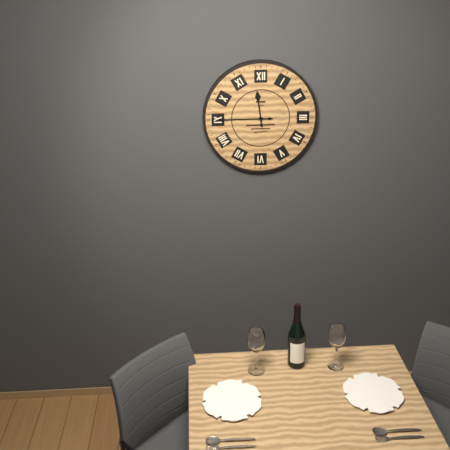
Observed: h=11 m=45
